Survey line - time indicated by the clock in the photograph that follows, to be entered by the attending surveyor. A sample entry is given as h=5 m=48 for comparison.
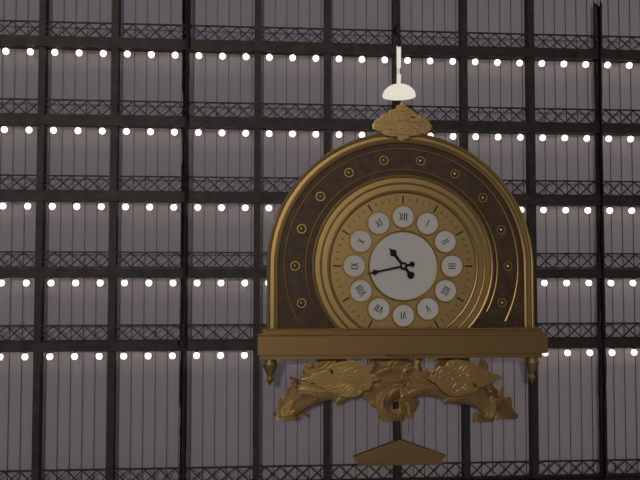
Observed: h=10 m=43
